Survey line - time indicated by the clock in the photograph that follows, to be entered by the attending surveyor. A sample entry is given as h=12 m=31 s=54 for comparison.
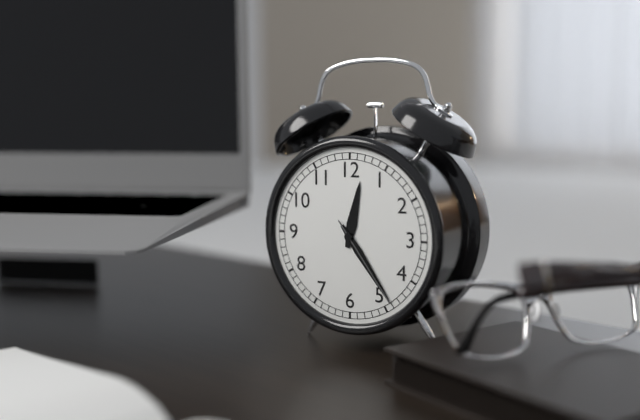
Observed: h=12 m=24 s=24
